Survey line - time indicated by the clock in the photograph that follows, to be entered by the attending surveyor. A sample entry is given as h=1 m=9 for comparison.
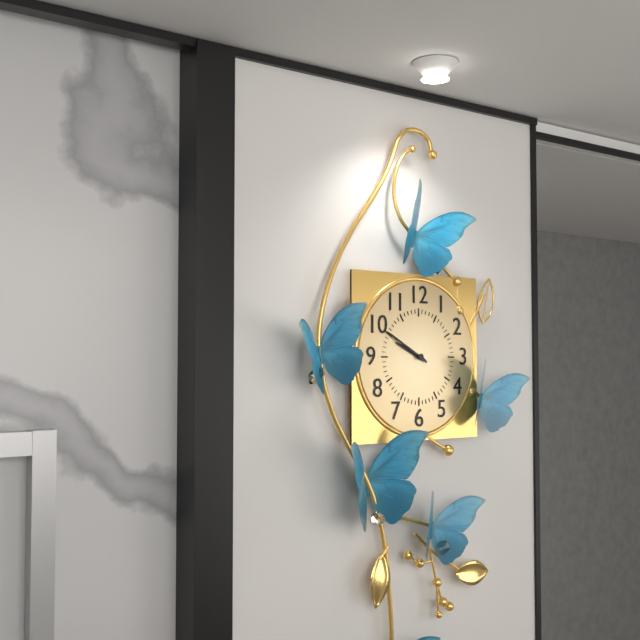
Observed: h=9 m=50
